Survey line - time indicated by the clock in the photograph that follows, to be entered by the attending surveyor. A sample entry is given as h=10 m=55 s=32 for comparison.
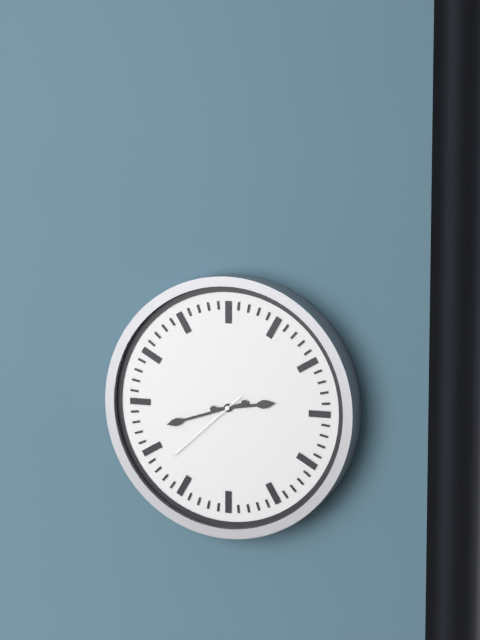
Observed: h=2 m=42 s=38
